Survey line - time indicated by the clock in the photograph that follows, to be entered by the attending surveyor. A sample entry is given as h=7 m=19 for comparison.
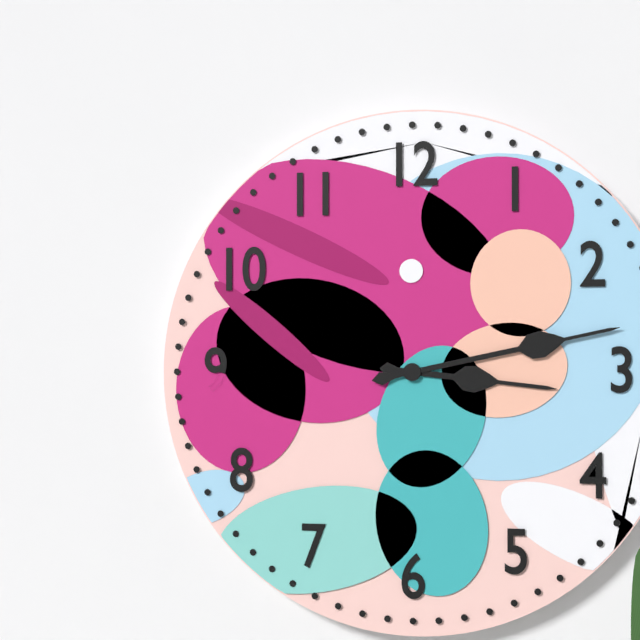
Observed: h=3 m=13
